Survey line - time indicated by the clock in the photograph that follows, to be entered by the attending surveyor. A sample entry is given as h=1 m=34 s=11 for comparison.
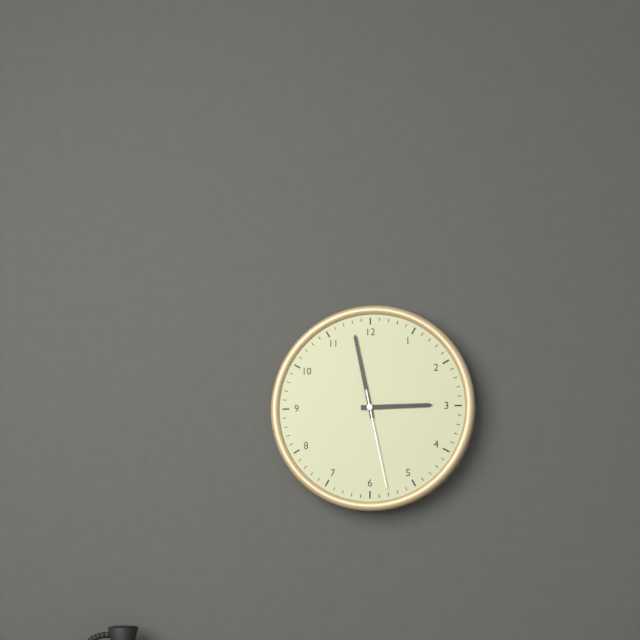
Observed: h=2 m=58 s=28
